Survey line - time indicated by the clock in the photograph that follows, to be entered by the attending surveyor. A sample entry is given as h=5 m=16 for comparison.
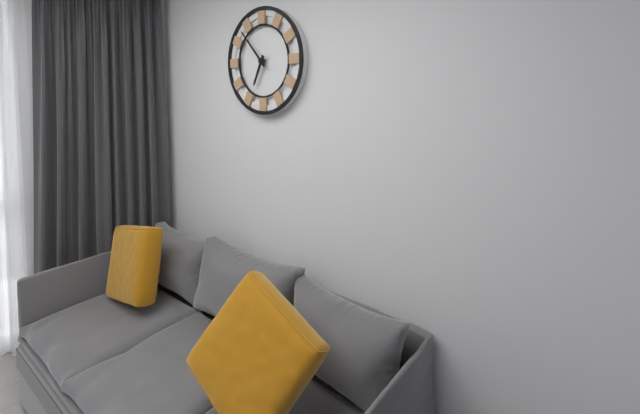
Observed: h=6 m=53
